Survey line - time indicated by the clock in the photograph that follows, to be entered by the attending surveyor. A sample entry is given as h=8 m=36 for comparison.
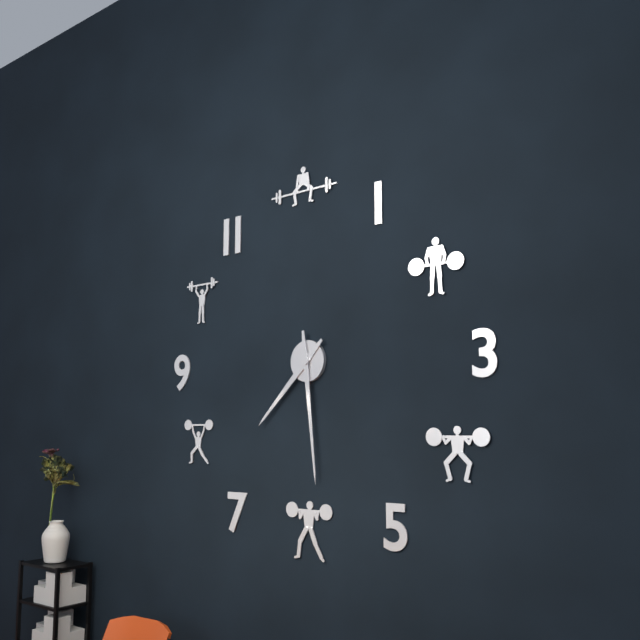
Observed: h=7 m=29
